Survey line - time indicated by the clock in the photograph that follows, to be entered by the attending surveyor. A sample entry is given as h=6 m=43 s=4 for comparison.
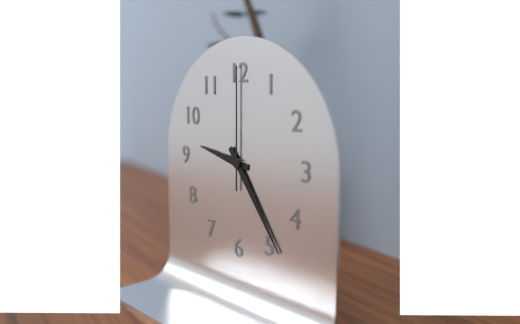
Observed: h=9 m=24 s=0
